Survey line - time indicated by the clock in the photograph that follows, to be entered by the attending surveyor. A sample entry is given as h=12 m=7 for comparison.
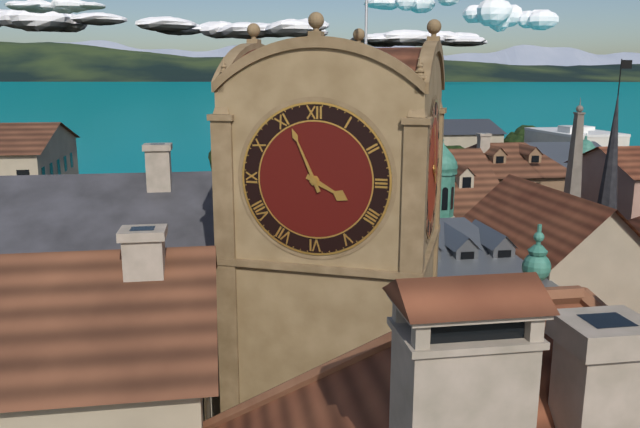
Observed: h=3 m=56
